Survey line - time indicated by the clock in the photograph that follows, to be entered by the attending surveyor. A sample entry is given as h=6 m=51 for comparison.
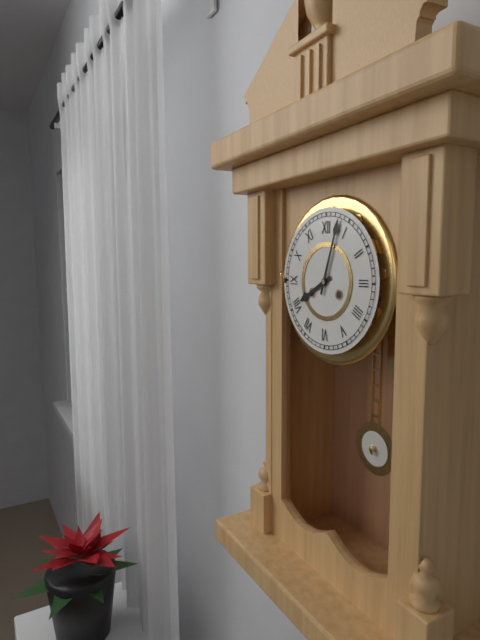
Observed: h=8 m=3
